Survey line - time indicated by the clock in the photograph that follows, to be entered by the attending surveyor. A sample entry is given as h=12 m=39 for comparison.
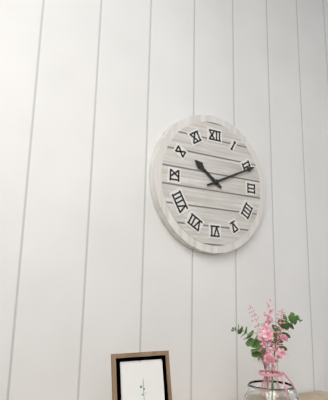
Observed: h=10 m=11
